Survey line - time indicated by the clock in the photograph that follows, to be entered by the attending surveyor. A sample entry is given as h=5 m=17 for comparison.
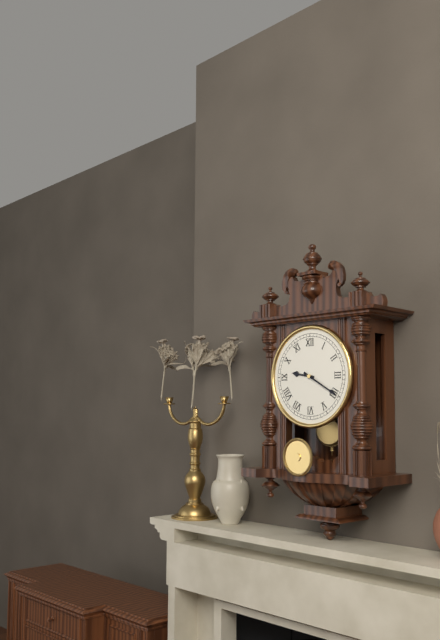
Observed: h=9 m=20
